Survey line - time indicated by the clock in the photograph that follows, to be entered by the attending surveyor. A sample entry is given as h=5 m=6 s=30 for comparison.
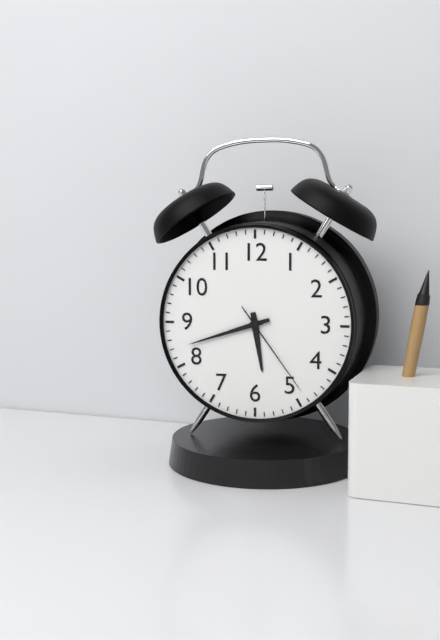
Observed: h=5 m=42 s=24
